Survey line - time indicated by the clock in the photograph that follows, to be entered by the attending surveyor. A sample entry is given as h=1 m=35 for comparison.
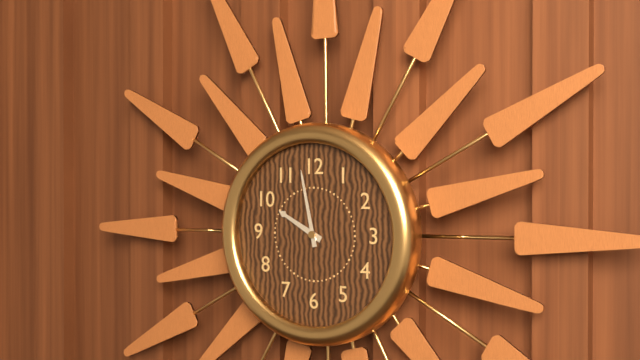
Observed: h=9 m=58
